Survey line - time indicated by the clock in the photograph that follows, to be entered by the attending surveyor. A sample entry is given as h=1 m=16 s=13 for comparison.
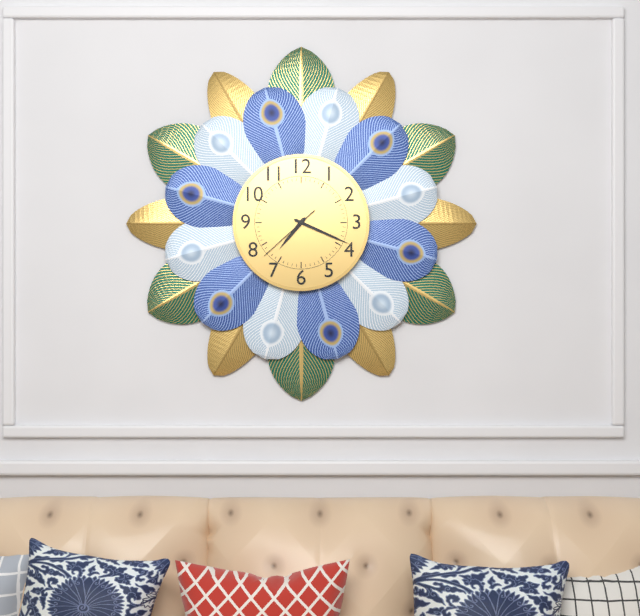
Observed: h=7 m=19 s=38
